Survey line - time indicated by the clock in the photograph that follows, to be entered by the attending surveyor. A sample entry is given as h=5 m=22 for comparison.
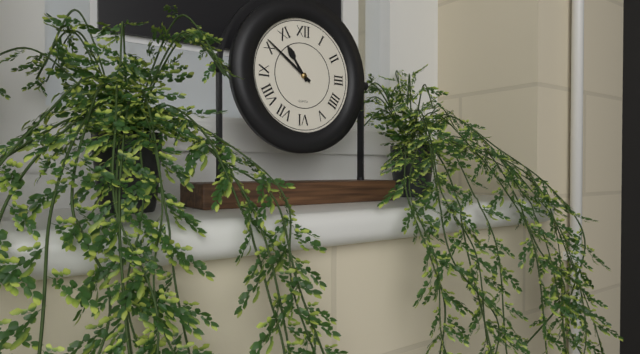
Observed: h=10 m=51
